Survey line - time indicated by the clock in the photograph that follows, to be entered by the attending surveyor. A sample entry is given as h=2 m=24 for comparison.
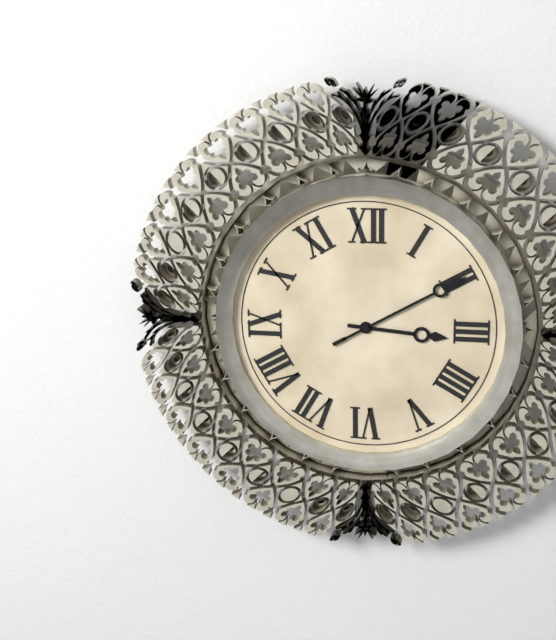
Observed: h=3 m=10
